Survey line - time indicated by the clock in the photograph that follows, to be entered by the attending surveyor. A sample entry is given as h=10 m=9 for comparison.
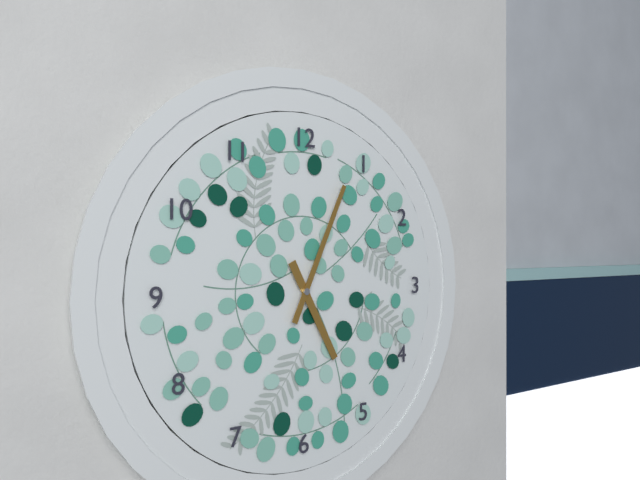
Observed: h=5 m=4
